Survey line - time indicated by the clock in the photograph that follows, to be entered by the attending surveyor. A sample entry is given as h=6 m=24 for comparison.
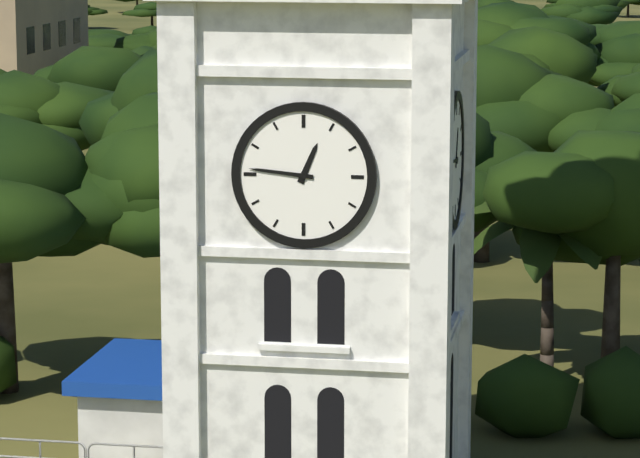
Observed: h=12 m=46
